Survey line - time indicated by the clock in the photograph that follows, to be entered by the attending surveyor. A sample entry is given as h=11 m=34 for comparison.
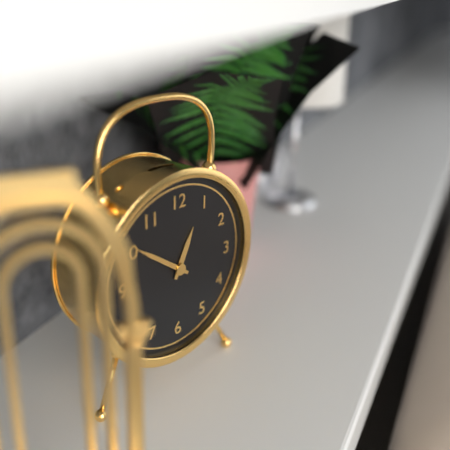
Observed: h=12 m=51
